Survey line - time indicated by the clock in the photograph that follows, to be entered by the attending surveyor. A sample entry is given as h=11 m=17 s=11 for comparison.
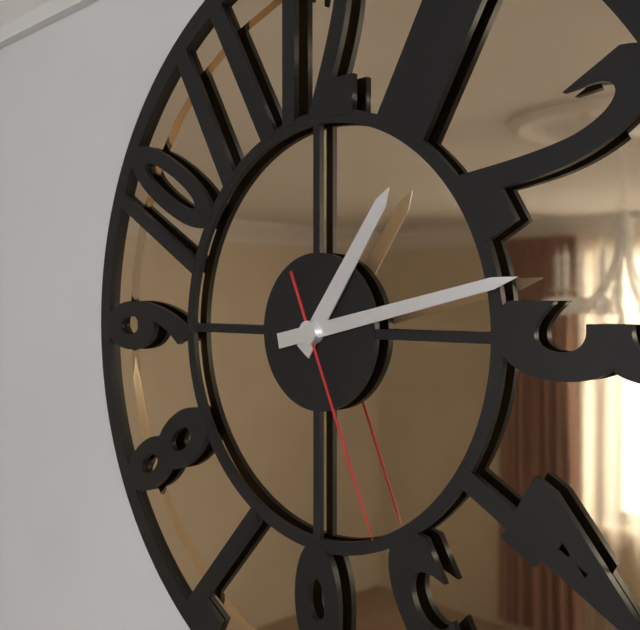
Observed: h=1 m=13 s=26
